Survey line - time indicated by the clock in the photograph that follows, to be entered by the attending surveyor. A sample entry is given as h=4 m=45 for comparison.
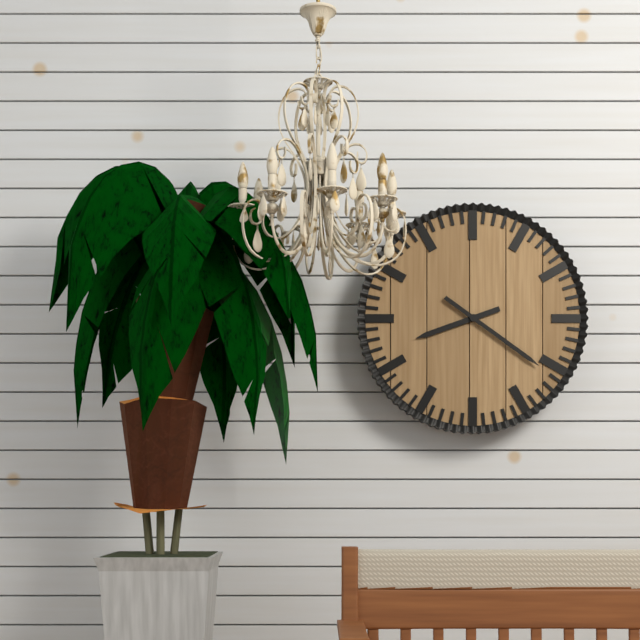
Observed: h=8 m=21
